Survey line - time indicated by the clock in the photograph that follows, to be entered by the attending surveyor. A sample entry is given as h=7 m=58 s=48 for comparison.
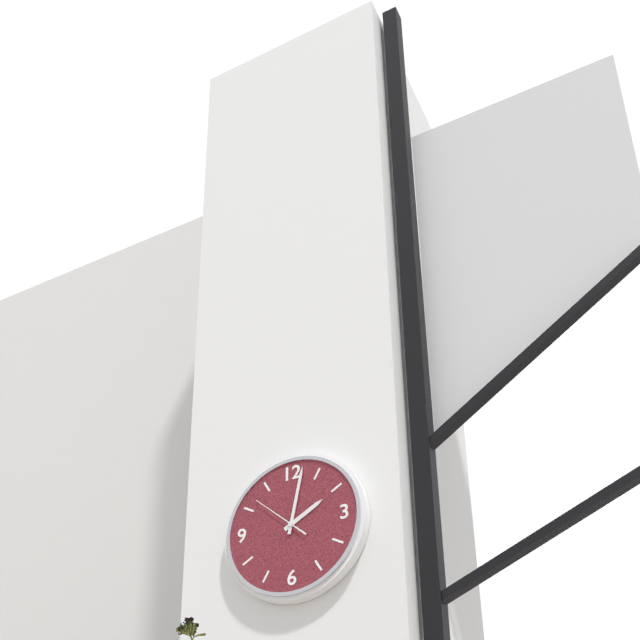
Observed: h=2 m=2 s=52
